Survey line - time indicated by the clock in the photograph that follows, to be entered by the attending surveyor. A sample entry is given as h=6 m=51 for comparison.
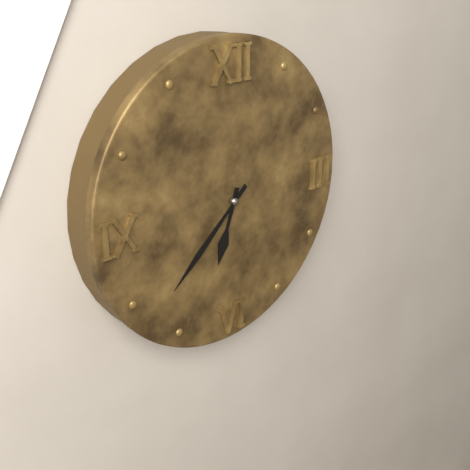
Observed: h=6 m=38
